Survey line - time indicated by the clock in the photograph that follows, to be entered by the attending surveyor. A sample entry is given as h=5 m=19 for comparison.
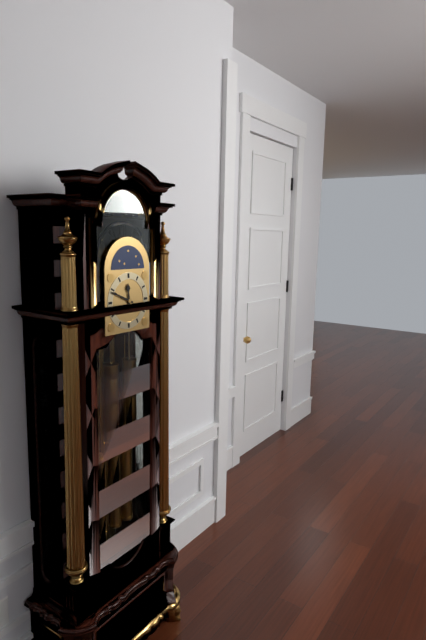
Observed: h=11 m=49
